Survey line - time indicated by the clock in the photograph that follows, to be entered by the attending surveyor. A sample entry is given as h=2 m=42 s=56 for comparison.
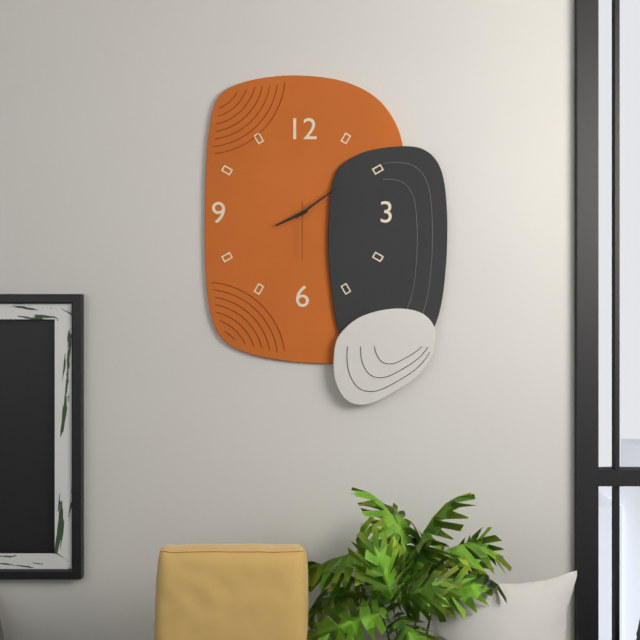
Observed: h=8 m=9 s=30
